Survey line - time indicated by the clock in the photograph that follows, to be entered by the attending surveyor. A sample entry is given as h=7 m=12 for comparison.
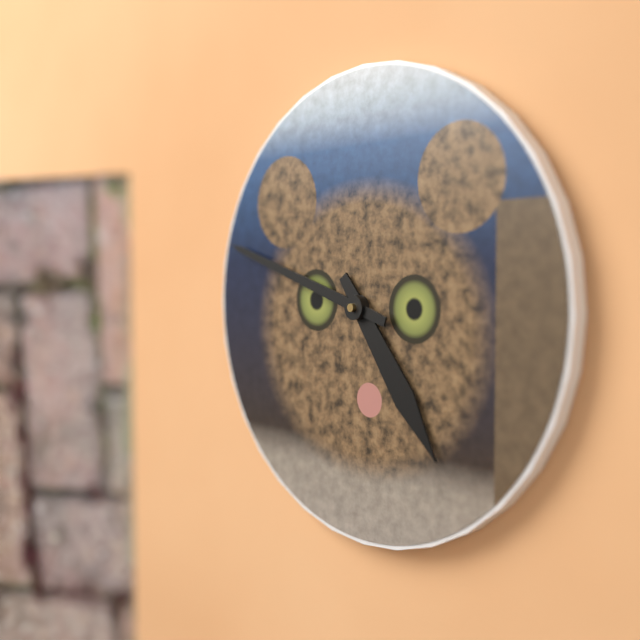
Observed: h=4 m=48
